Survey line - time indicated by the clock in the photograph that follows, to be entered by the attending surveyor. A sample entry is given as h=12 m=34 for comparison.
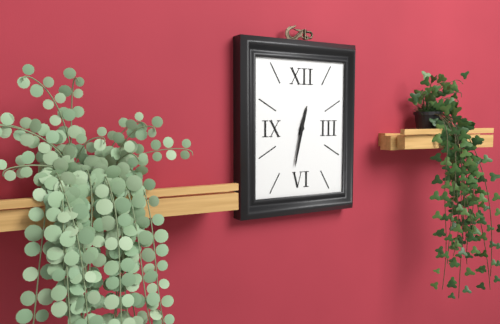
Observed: h=12 m=32
